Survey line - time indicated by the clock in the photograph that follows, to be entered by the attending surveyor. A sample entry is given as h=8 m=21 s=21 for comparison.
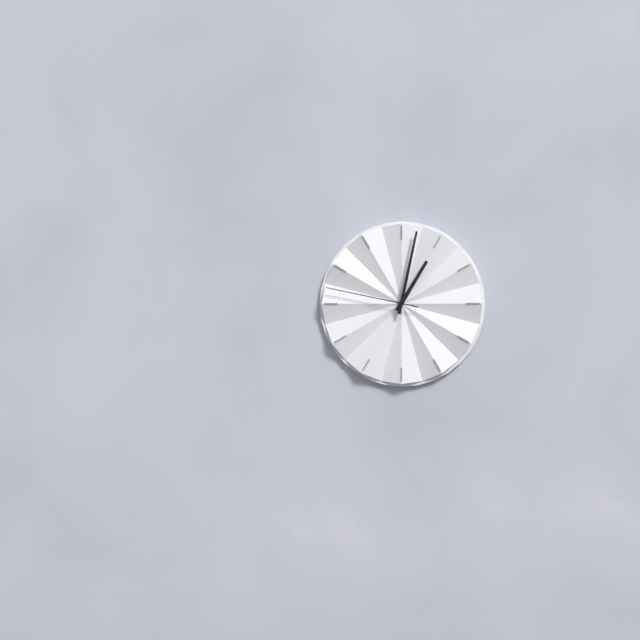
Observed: h=1 m=2 s=47
